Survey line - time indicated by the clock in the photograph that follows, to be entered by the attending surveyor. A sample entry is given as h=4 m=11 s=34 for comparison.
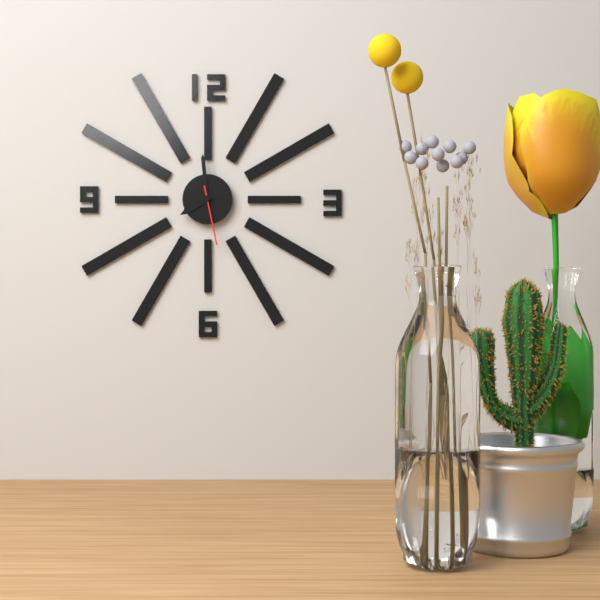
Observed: h=7 m=59 s=28
